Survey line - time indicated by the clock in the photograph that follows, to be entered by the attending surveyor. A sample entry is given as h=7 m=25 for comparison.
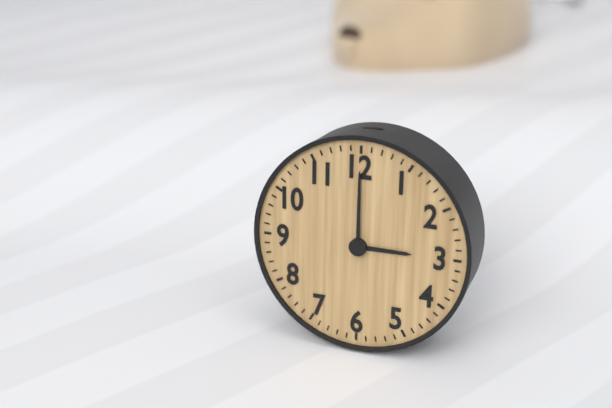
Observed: h=3 m=0
